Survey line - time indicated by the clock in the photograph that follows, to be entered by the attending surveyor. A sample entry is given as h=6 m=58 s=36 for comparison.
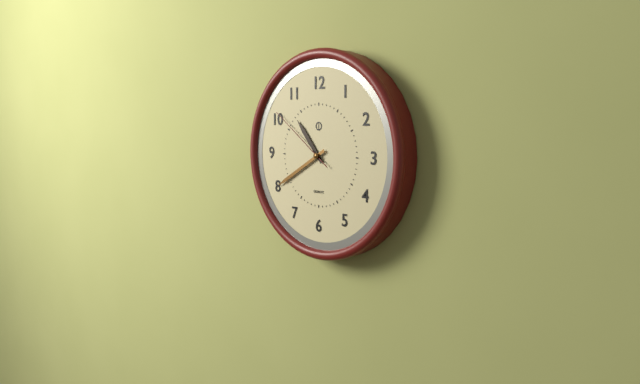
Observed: h=10 m=40 s=51
